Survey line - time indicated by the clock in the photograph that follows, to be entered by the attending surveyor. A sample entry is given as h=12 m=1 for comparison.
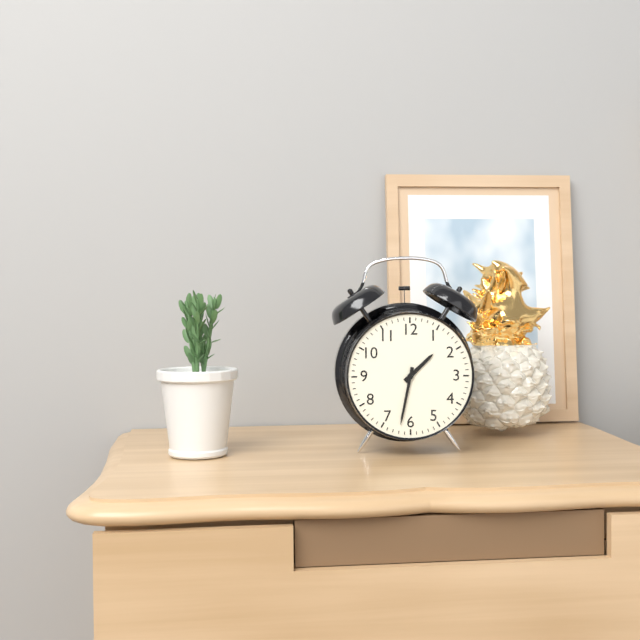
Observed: h=1 m=32
